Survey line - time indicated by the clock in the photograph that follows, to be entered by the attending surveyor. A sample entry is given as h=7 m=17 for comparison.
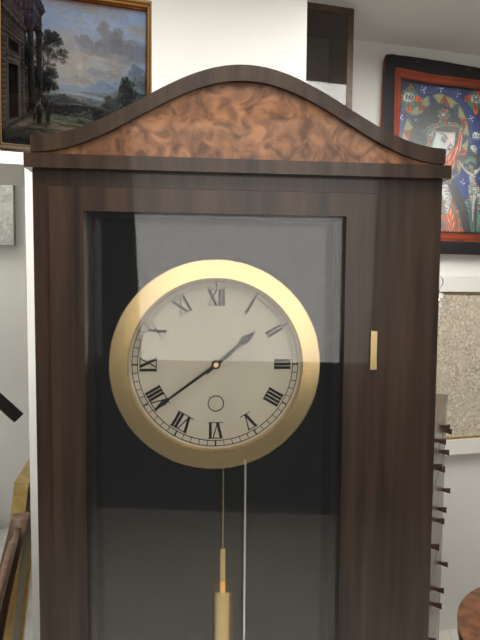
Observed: h=1 m=39
